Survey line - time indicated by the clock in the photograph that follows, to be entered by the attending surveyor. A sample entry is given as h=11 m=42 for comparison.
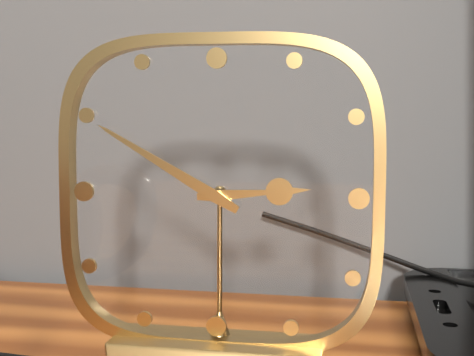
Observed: h=2 m=50
